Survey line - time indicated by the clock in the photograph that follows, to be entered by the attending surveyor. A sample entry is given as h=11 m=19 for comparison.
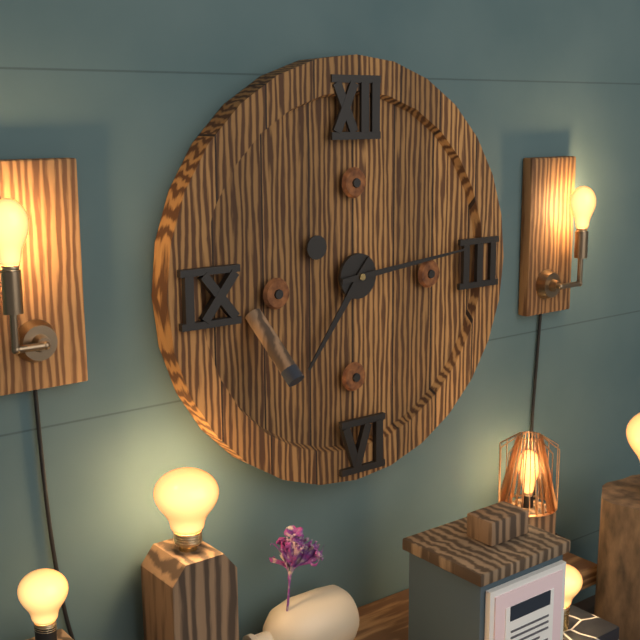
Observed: h=7 m=14
